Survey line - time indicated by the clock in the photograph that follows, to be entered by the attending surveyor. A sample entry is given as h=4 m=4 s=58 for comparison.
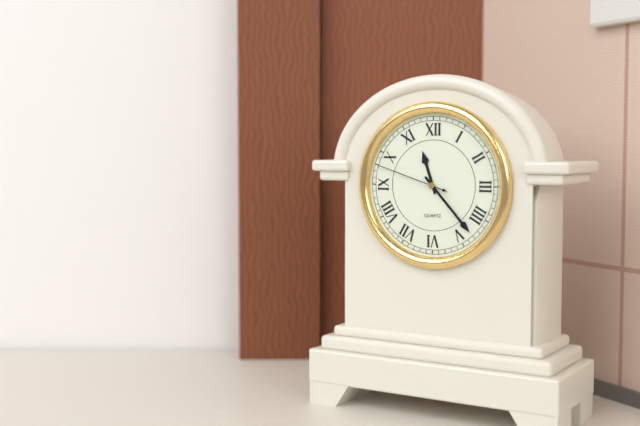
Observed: h=11 m=23 s=48
